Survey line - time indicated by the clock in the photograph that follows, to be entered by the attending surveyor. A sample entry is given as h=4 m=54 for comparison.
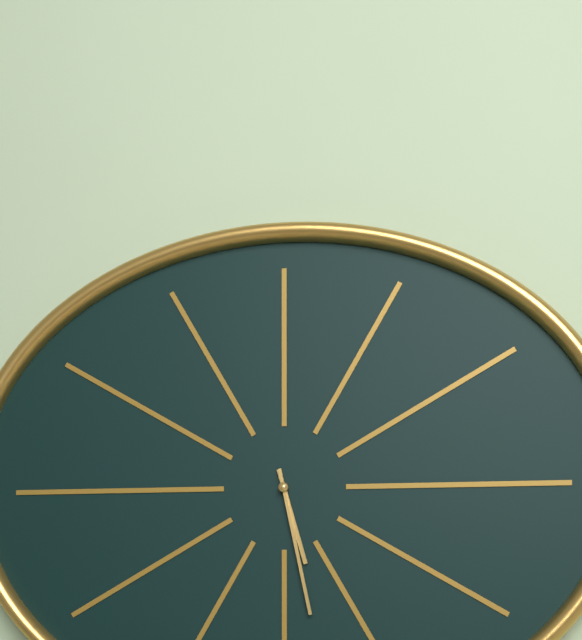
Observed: h=5 m=28
